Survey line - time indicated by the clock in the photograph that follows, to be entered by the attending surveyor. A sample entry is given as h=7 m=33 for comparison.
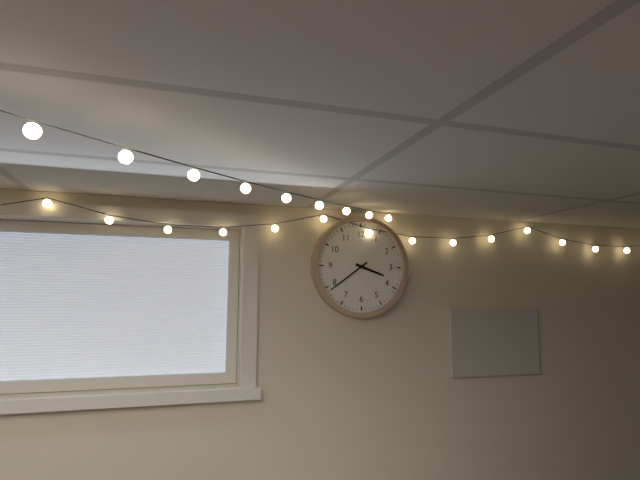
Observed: h=3 m=39
